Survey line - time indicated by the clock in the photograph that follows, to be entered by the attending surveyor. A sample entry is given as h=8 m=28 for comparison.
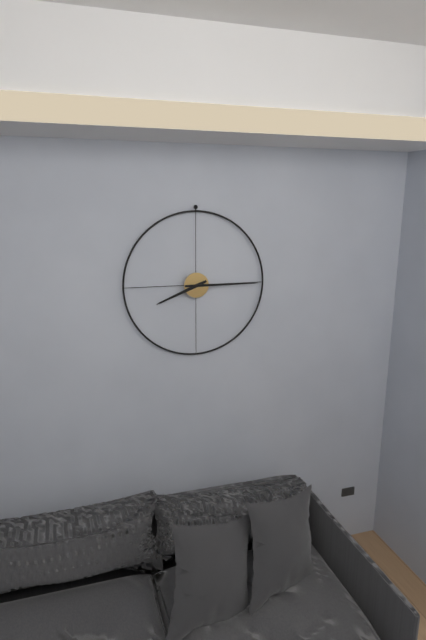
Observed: h=8 m=15
